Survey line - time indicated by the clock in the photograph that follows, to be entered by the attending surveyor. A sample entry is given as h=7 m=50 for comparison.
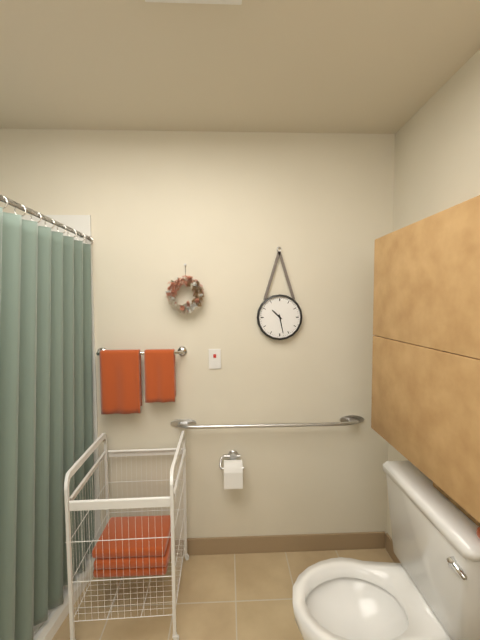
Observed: h=10 m=28
